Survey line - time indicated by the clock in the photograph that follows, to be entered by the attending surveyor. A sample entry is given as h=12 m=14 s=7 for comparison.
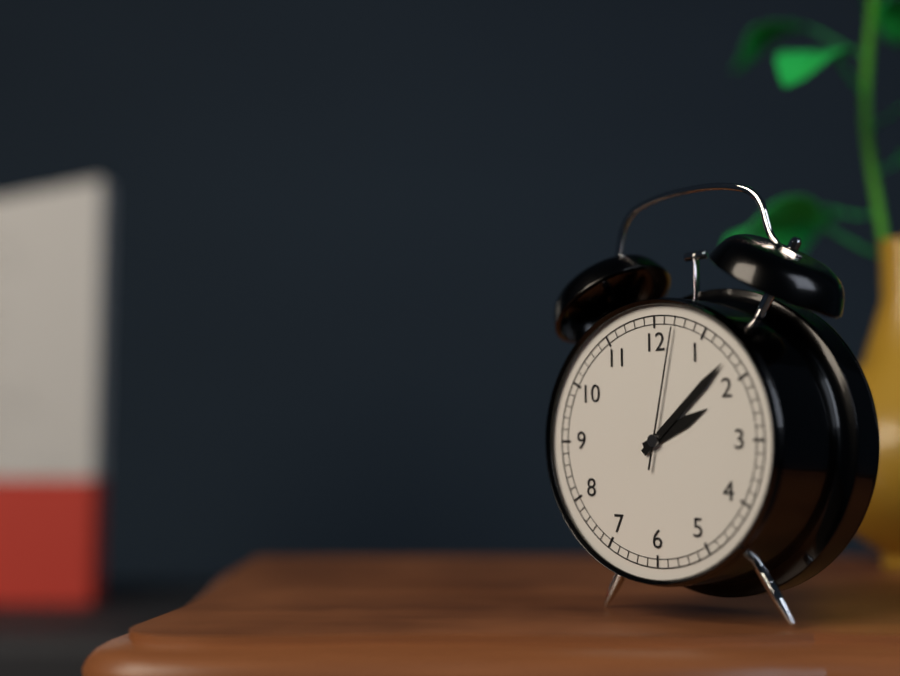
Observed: h=2 m=8 s=2
